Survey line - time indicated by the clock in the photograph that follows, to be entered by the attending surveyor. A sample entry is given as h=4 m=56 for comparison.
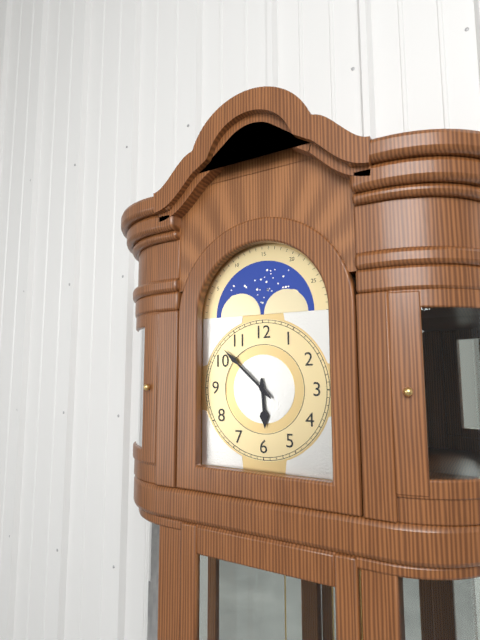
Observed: h=5 m=52
